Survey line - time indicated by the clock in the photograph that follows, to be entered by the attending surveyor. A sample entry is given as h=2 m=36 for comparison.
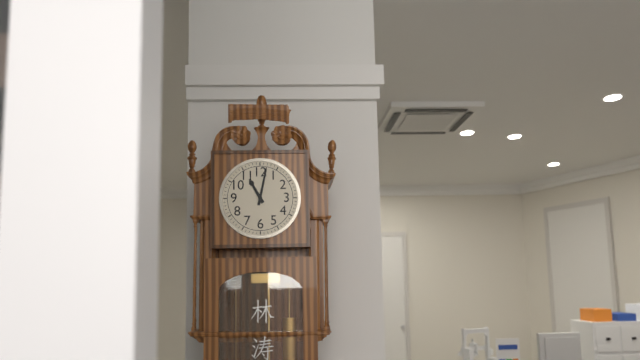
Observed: h=11 m=2
